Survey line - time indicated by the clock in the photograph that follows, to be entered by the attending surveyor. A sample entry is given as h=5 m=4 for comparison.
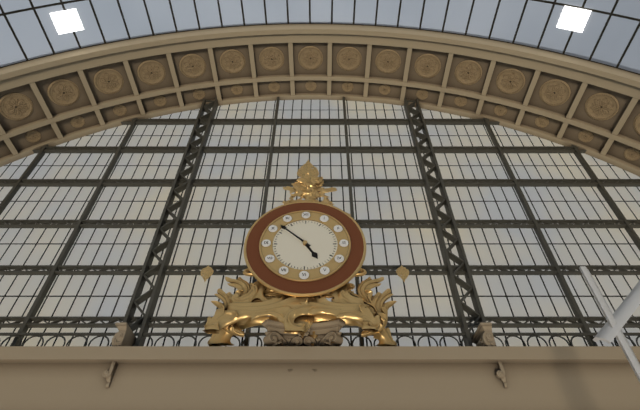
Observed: h=4 m=52
